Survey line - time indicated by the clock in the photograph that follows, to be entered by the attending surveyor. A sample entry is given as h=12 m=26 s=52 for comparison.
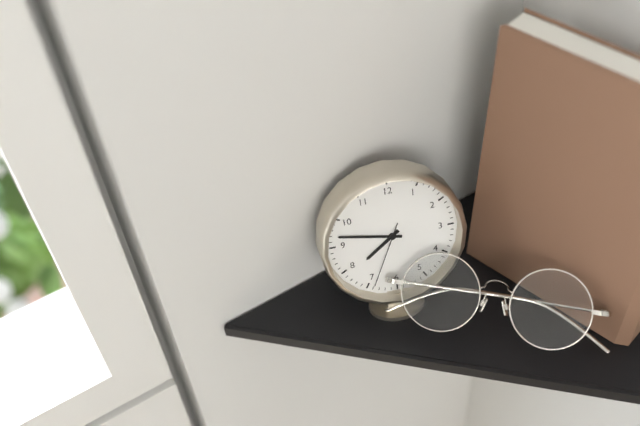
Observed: h=7 m=47 s=34
